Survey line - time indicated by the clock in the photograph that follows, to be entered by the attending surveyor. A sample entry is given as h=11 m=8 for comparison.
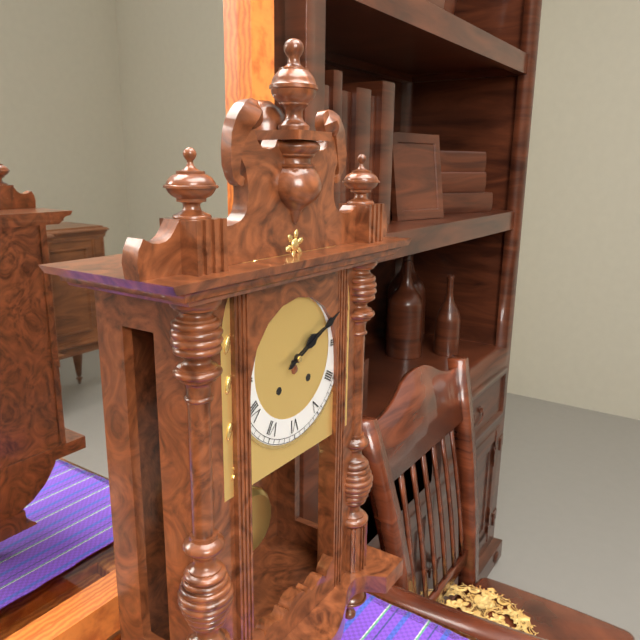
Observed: h=2 m=11
